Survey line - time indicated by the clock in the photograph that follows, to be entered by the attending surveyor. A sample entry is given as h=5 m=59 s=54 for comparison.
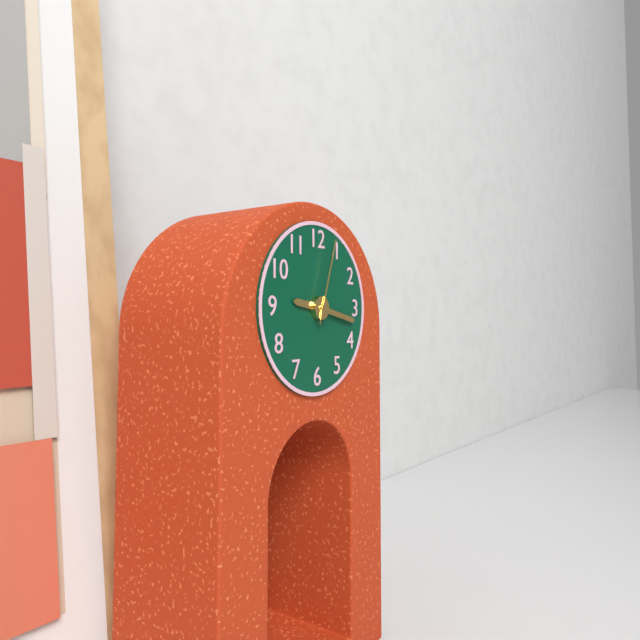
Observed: h=9 m=17 s=3
